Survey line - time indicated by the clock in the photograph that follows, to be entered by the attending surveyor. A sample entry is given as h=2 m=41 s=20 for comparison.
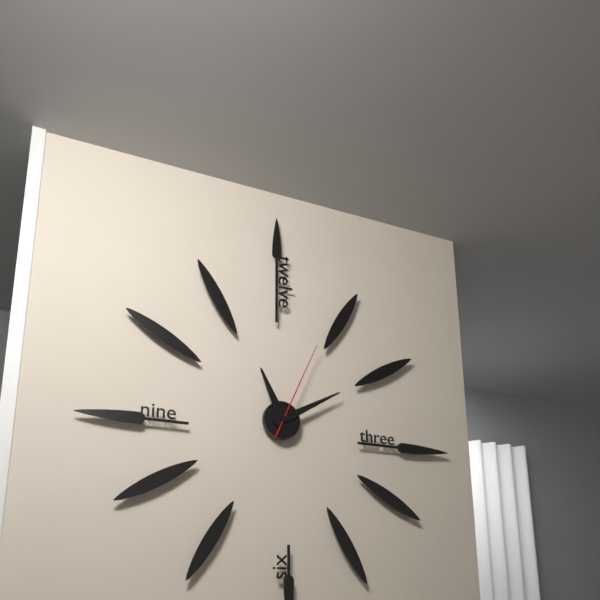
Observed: h=11 m=10 s=4
